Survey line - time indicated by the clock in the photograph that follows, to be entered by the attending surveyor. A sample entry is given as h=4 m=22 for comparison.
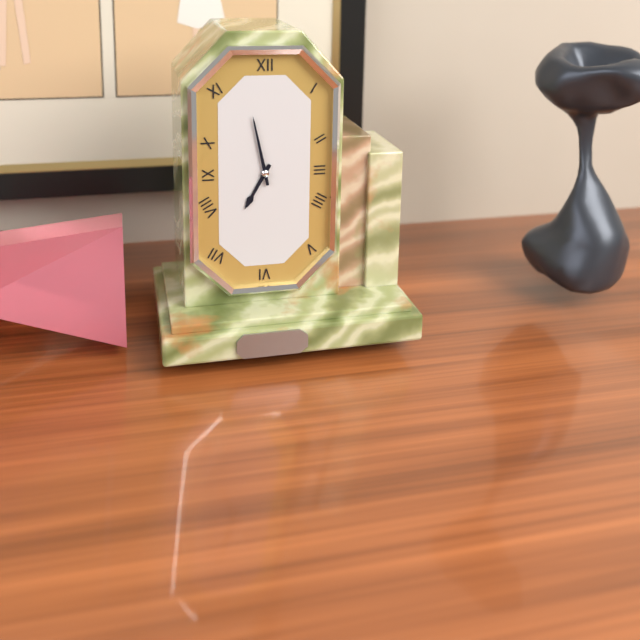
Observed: h=6 m=58
